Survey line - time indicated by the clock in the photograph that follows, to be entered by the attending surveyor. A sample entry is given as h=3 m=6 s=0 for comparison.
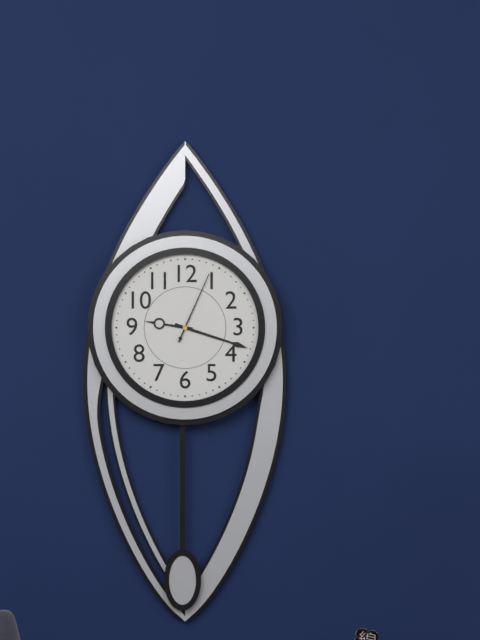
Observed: h=9 m=18 s=4
